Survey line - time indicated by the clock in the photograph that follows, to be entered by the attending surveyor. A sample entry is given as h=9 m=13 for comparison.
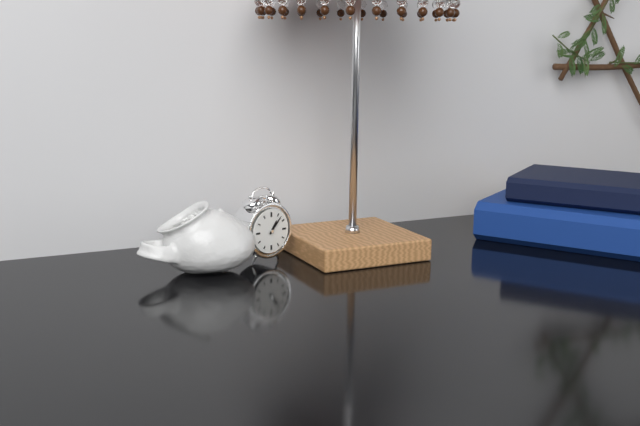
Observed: h=1 m=7
